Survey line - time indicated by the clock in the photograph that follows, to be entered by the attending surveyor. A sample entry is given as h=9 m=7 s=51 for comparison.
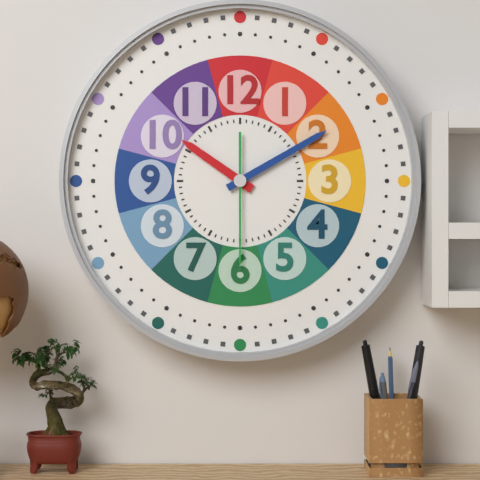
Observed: h=10 m=10 s=30
